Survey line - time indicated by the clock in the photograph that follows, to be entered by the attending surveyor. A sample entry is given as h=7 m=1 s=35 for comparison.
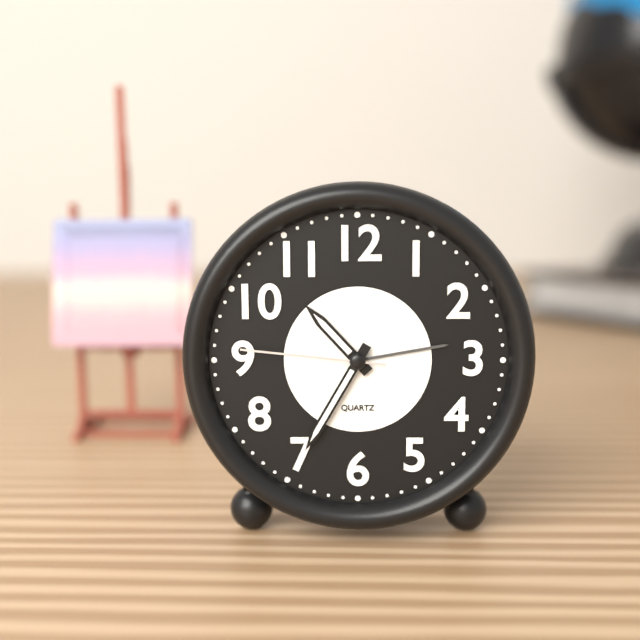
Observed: h=10 m=35 s=46
